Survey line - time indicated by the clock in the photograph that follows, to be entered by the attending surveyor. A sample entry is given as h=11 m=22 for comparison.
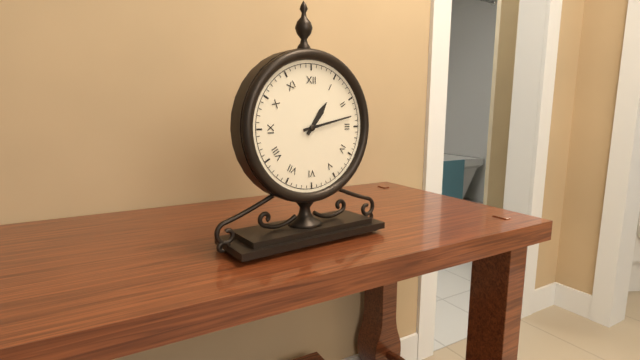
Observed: h=1 m=13
